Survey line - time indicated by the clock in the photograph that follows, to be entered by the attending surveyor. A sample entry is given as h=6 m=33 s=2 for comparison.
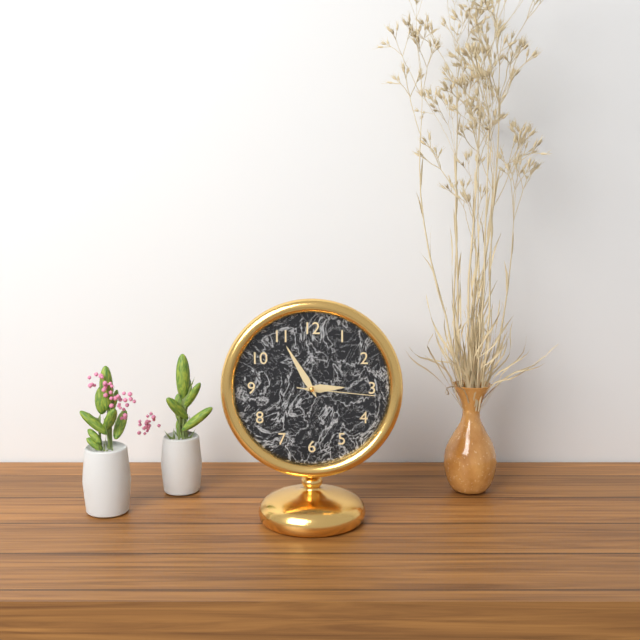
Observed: h=2 m=55 s=16
